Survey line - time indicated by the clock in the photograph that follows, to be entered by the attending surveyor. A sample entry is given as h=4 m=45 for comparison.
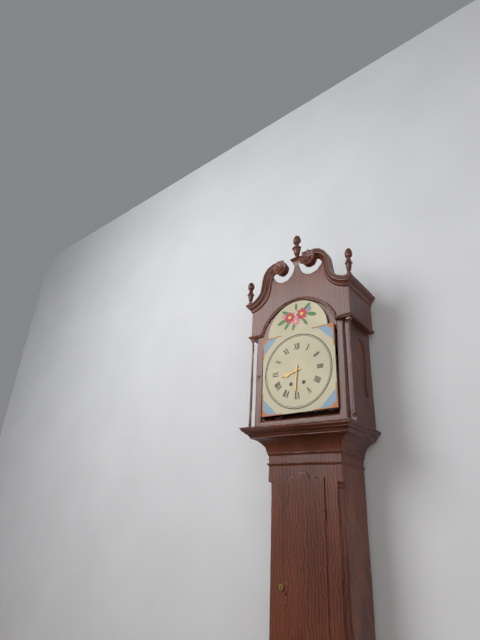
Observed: h=8 m=31
